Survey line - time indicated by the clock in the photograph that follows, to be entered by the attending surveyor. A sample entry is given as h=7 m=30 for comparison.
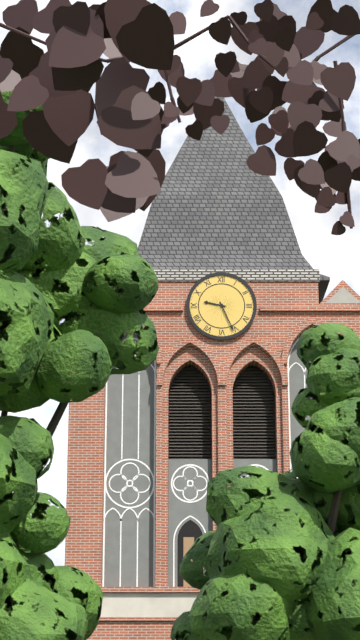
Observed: h=9 m=26
